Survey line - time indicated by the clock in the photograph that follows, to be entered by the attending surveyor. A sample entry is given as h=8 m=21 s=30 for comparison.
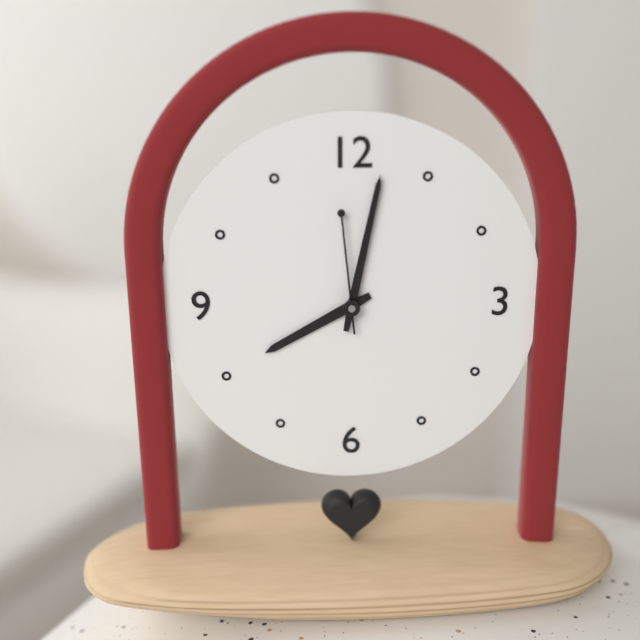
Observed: h=8 m=2 s=59
